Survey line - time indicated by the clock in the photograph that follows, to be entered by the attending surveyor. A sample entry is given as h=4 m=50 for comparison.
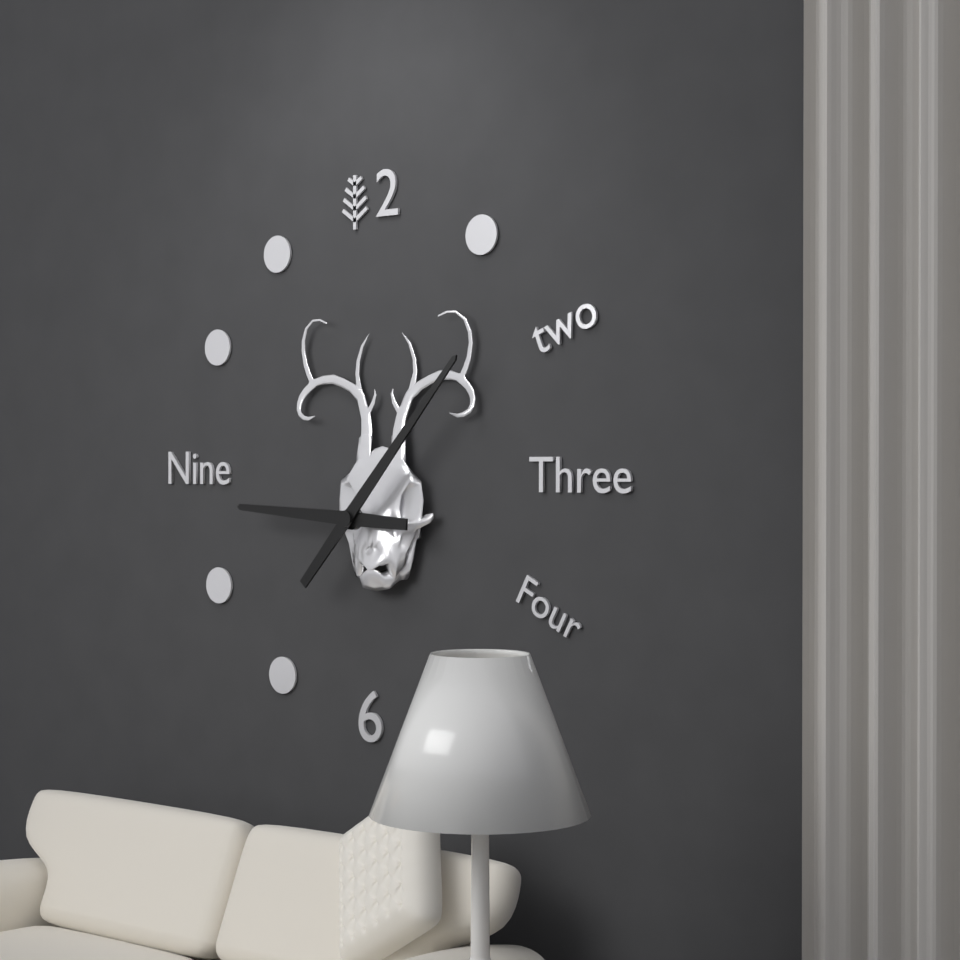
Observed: h=9 m=7
